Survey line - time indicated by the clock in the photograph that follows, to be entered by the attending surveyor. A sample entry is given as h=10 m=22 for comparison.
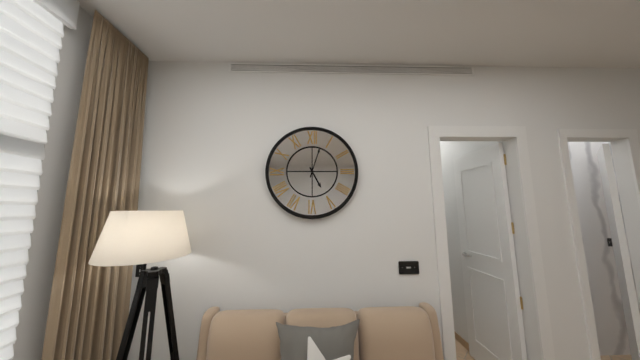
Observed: h=5 m=3
